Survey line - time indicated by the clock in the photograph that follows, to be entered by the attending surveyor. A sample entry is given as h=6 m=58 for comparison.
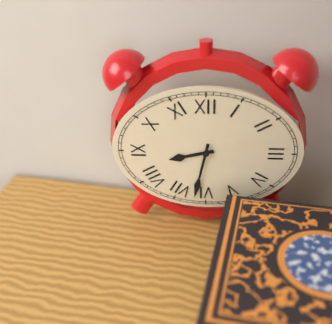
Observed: h=8 m=32
